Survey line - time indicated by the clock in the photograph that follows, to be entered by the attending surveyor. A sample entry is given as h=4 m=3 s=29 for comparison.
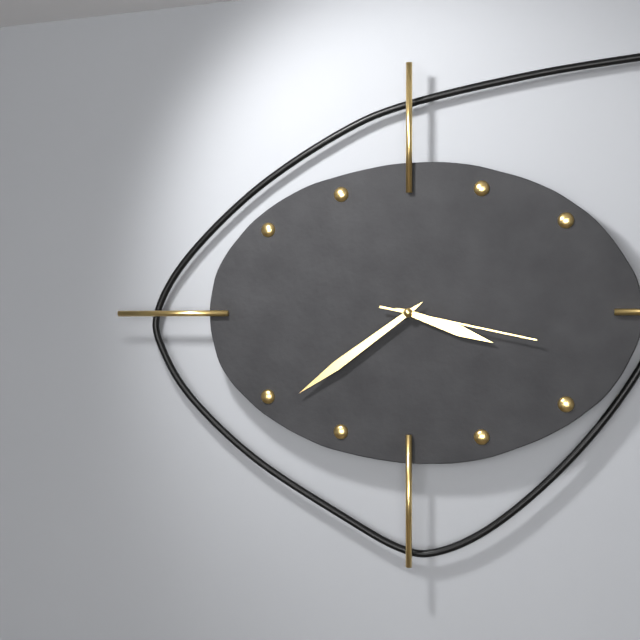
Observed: h=3 m=39 s=17
